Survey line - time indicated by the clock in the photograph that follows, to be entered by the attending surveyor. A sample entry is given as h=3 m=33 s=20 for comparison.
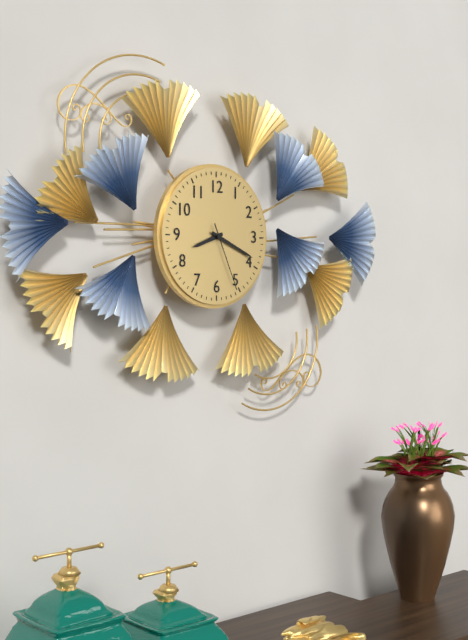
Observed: h=8 m=19 s=26
